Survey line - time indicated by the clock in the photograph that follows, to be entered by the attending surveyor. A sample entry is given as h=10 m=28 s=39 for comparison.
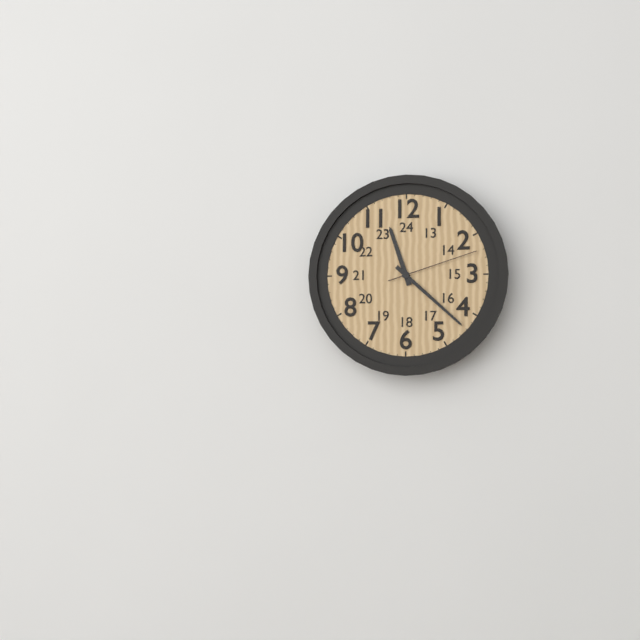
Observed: h=11 m=22 s=12
